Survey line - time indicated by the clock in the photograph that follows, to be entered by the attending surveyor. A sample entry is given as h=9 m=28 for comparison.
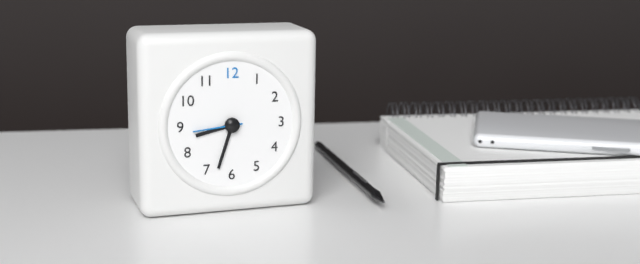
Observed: h=8 m=33
